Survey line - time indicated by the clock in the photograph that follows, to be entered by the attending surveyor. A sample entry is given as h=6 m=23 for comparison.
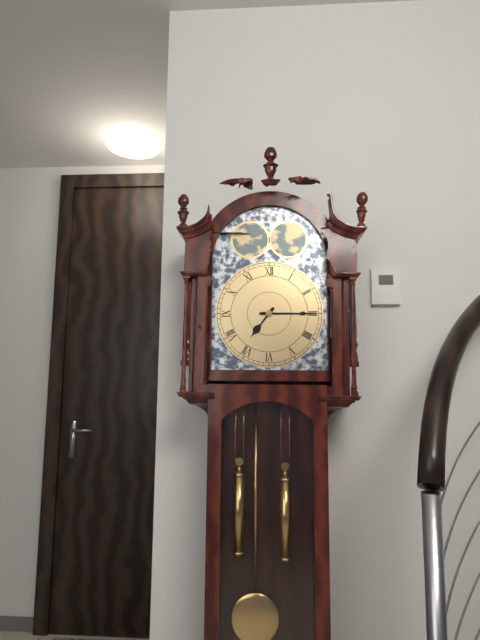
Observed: h=7 m=15
